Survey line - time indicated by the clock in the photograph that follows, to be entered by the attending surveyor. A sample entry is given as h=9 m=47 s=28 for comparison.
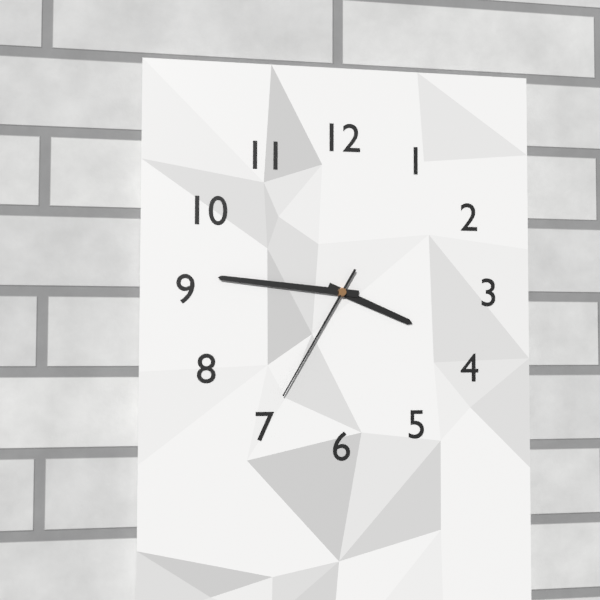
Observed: h=3 m=46 s=35
